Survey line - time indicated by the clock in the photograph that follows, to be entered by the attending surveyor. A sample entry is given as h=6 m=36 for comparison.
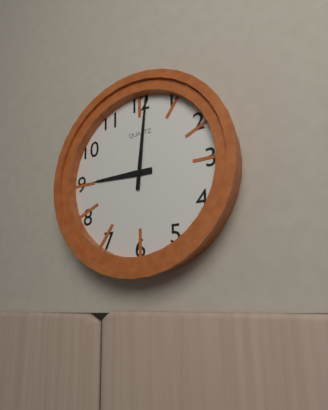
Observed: h=9 m=1
